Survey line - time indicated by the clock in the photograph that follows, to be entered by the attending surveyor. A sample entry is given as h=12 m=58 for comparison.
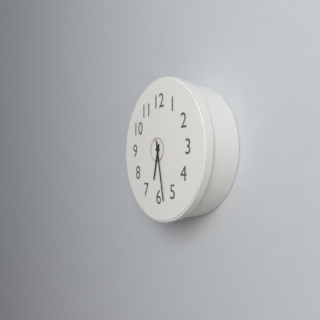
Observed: h=6 m=28
